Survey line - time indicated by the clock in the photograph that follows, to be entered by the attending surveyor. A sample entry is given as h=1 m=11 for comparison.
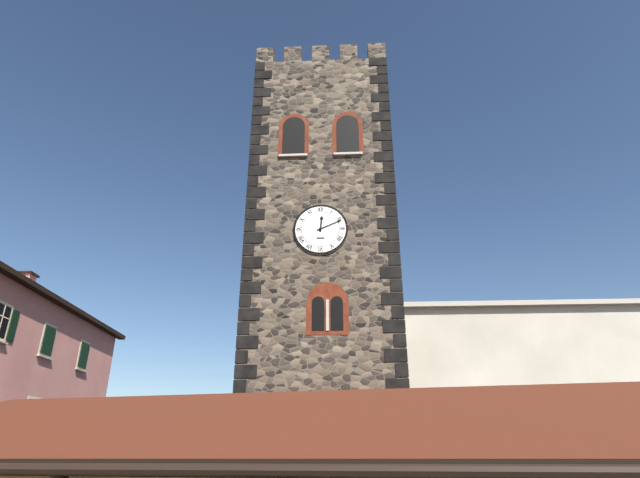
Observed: h=12 m=11
